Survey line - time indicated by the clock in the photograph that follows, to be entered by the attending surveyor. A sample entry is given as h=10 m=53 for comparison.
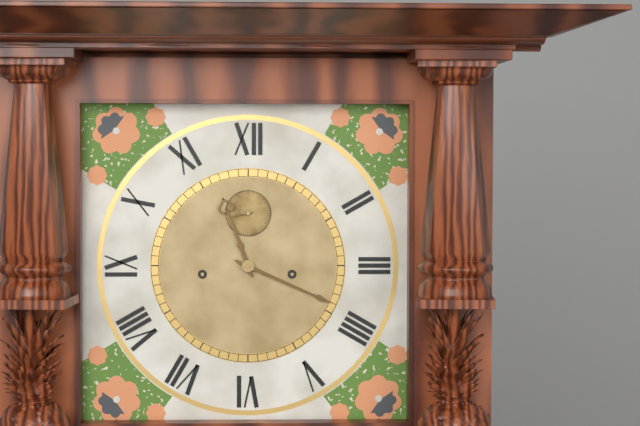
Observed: h=11 m=19
